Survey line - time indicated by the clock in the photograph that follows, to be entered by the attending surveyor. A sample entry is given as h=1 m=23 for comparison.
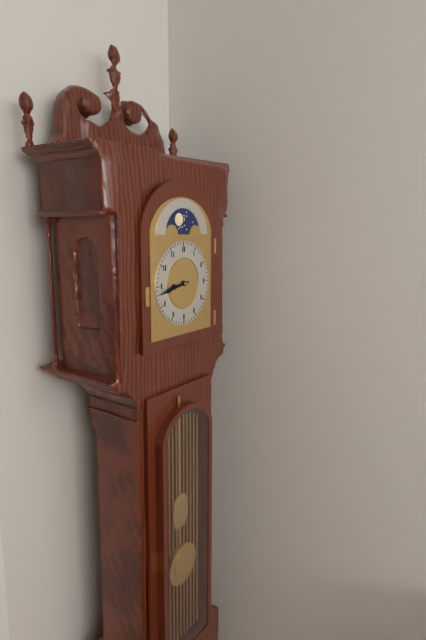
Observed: h=8 m=43
